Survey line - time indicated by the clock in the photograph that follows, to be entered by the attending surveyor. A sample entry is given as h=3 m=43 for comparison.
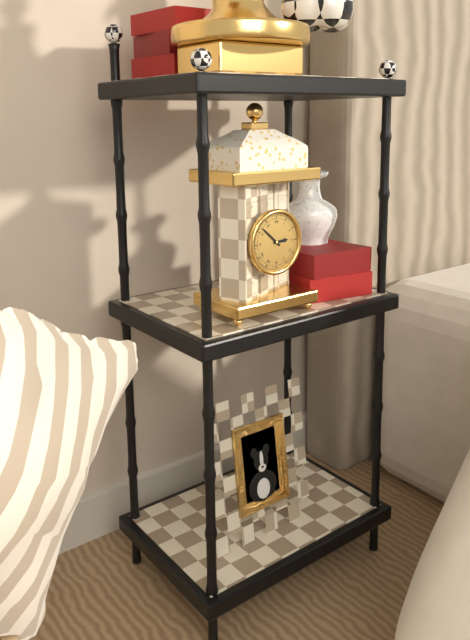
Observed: h=2 m=52
